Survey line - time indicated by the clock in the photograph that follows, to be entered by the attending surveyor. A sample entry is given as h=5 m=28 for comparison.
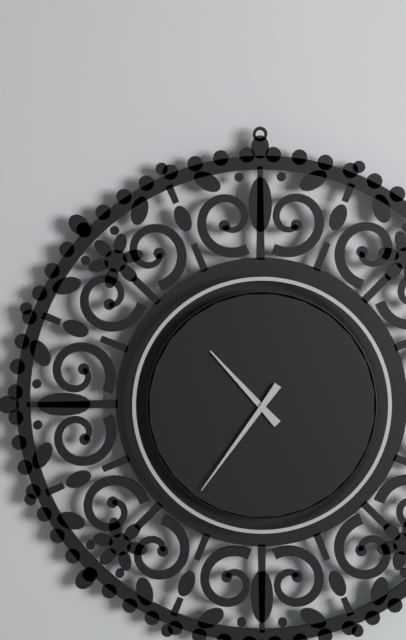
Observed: h=10 m=36
